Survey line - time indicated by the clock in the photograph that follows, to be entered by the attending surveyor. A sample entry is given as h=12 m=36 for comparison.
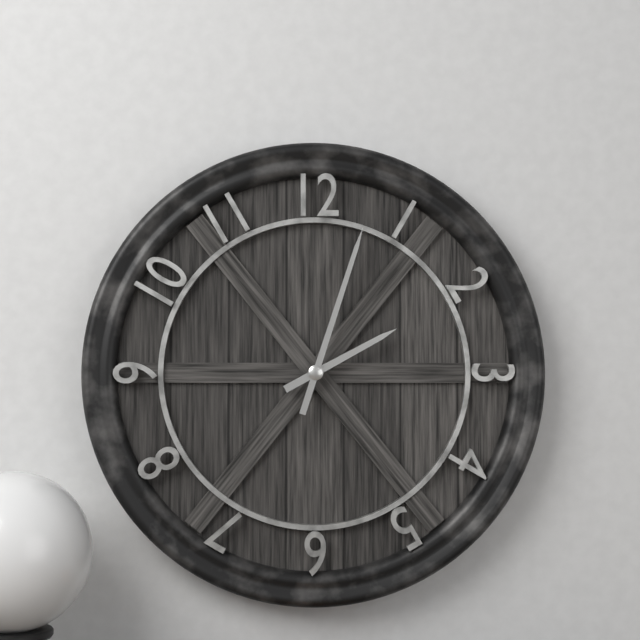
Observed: h=2 m=3
